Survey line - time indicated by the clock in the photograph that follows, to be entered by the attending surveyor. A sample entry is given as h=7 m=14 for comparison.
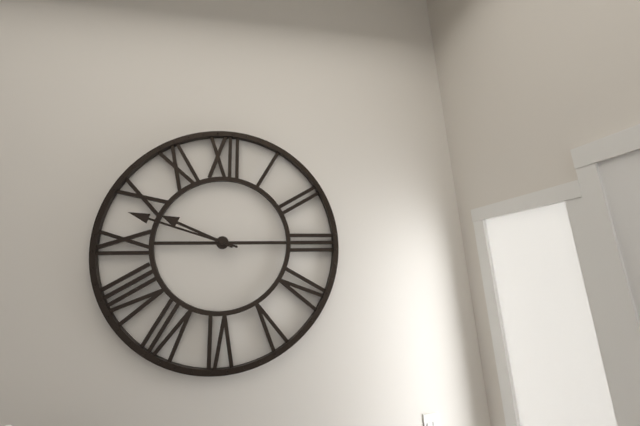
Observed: h=9 m=48
